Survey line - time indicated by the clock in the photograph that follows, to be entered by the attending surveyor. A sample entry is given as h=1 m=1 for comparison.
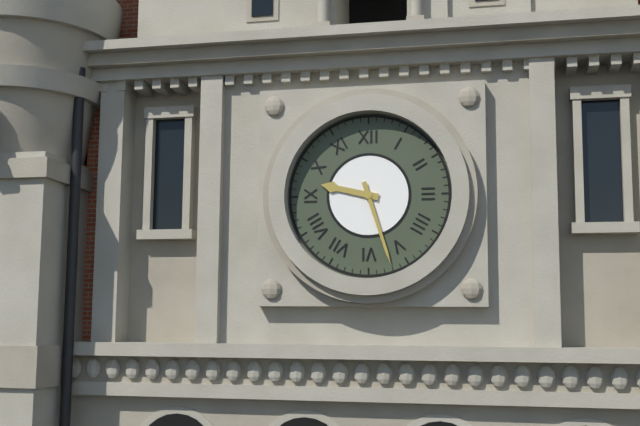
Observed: h=9 m=27
